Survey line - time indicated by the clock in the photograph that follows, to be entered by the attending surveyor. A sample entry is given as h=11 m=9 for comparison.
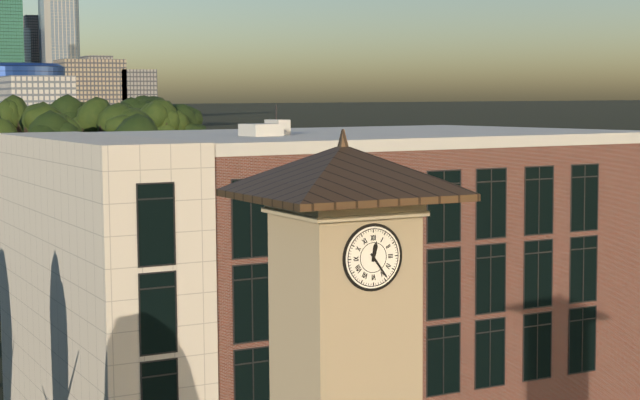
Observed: h=12 m=24
